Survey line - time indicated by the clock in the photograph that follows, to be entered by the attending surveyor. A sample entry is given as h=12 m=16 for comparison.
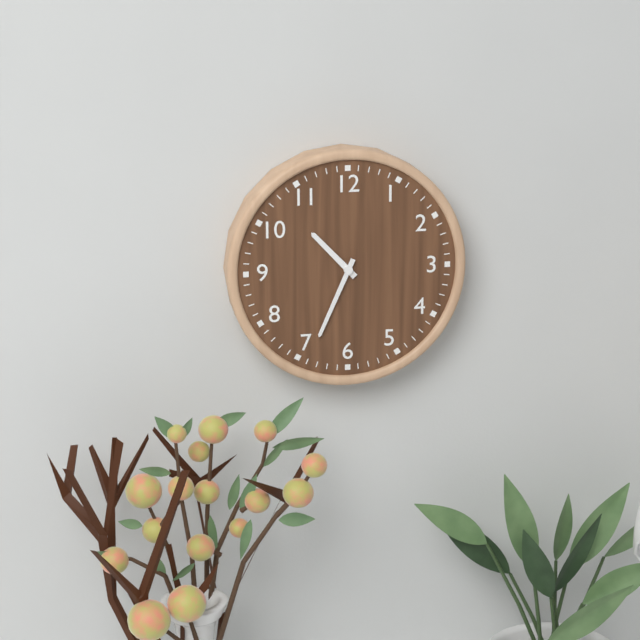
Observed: h=10 m=34
